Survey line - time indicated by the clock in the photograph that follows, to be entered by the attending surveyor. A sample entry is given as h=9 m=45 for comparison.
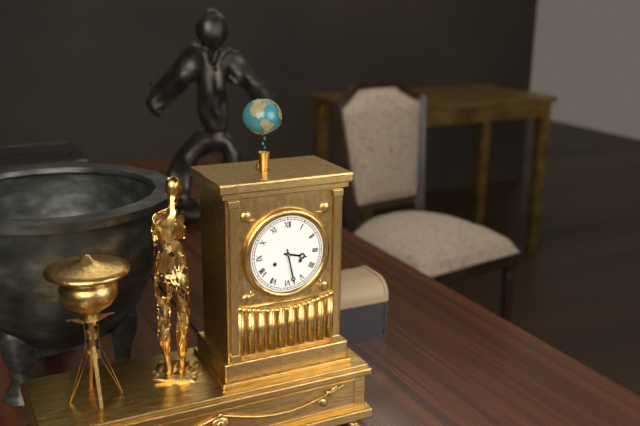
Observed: h=3 m=28
